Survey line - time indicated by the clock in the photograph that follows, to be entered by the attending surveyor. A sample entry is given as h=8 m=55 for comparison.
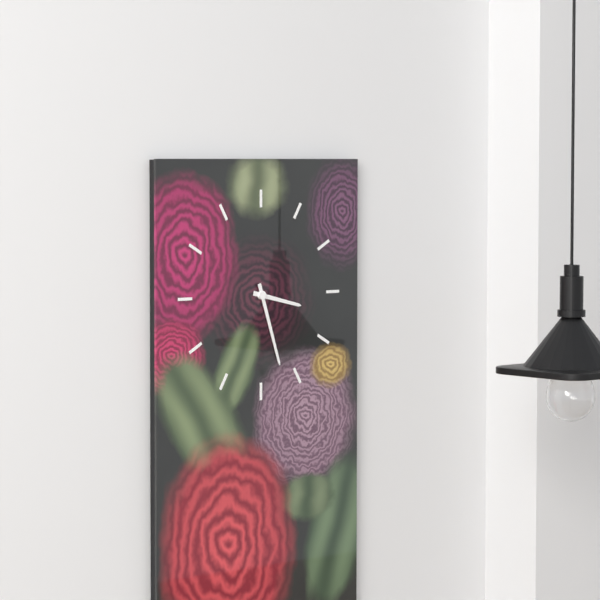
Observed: h=3 m=27
